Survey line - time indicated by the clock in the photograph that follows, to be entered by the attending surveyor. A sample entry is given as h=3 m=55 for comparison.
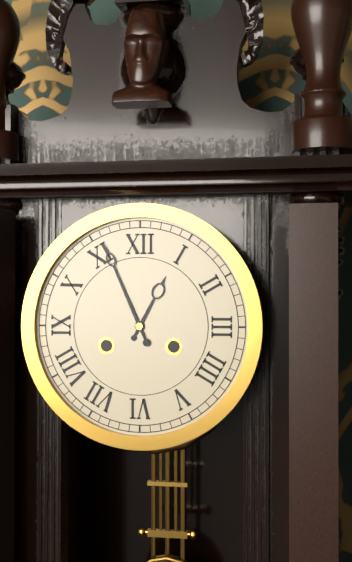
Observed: h=12 m=56
